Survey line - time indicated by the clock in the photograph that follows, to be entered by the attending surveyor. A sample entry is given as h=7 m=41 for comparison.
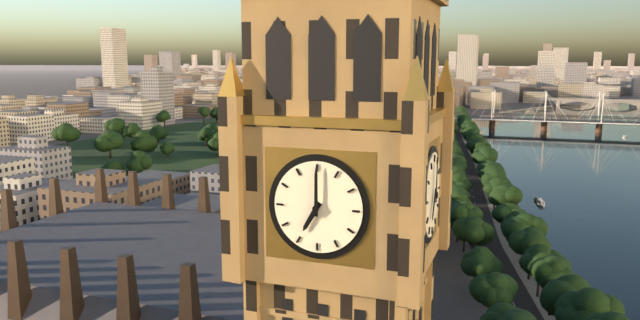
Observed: h=7 m=0
